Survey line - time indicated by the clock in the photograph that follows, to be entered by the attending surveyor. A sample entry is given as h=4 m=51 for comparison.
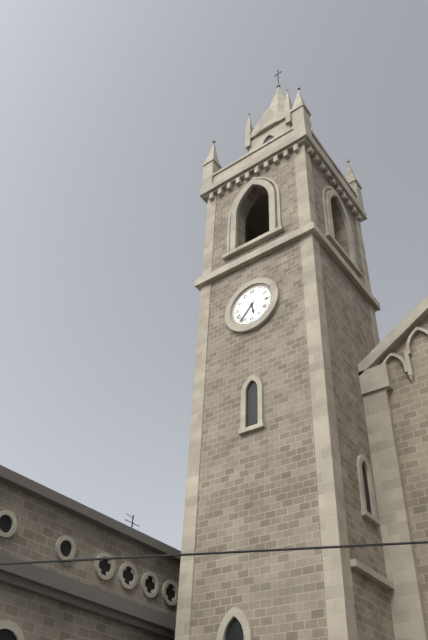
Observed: h=5 m=37
